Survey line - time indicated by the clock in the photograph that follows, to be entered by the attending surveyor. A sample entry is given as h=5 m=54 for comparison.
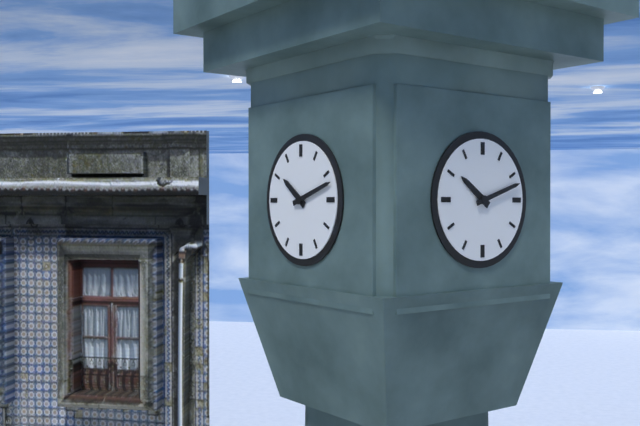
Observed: h=10 m=12
